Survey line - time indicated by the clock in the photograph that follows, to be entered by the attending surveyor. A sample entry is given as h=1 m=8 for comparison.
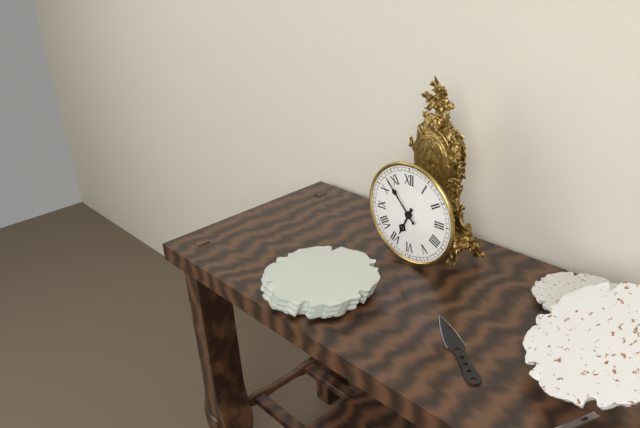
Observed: h=6 m=53
